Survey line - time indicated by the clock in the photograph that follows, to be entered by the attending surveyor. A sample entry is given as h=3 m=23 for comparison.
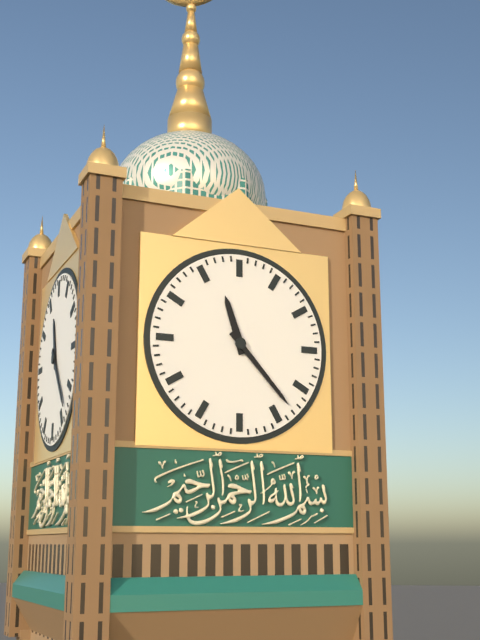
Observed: h=11 m=23
